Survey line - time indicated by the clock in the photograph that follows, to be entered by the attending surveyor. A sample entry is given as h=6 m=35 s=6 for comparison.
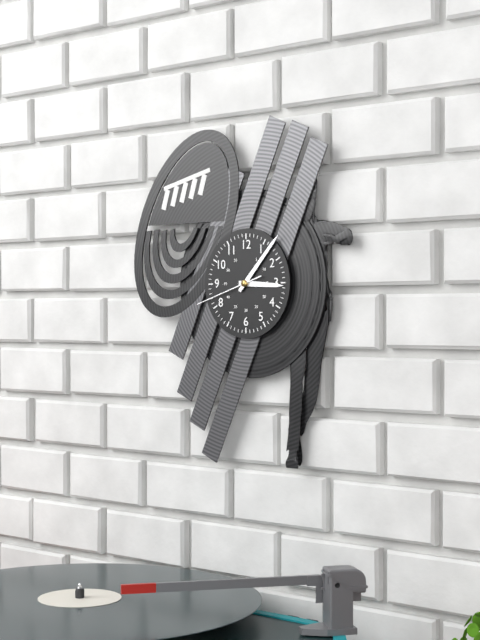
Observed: h=3 m=7 s=42
